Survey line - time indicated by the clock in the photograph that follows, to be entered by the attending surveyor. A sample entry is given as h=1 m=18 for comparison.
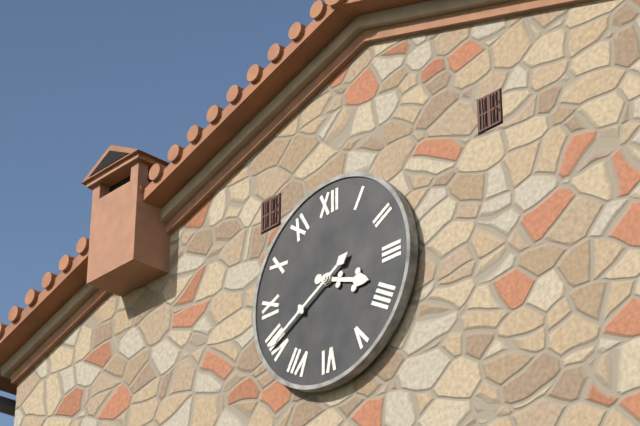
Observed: h=3 m=40
